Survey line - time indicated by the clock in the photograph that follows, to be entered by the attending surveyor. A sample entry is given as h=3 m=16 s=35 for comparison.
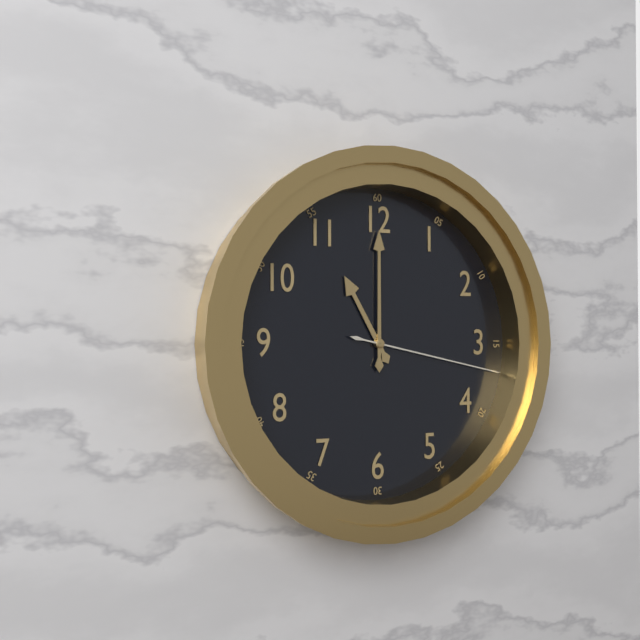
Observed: h=11 m=0 s=17
